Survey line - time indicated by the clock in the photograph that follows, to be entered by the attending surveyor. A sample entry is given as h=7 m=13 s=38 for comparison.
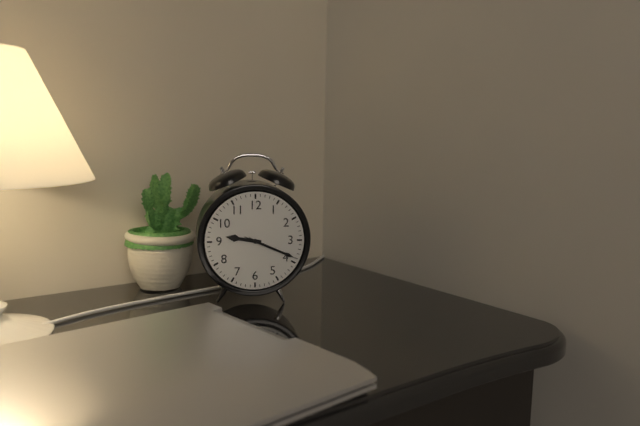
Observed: h=9 m=19 s=19
